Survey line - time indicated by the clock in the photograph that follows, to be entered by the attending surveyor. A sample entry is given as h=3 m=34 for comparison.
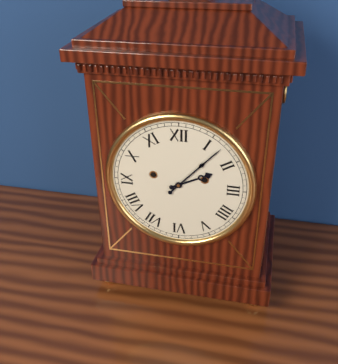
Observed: h=2 m=7
